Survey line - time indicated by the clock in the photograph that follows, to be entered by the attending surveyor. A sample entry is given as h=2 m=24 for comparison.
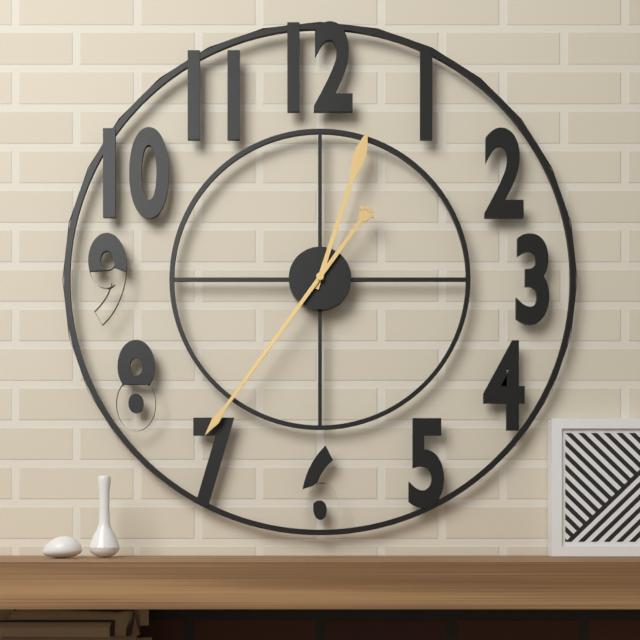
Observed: h=12 m=36
